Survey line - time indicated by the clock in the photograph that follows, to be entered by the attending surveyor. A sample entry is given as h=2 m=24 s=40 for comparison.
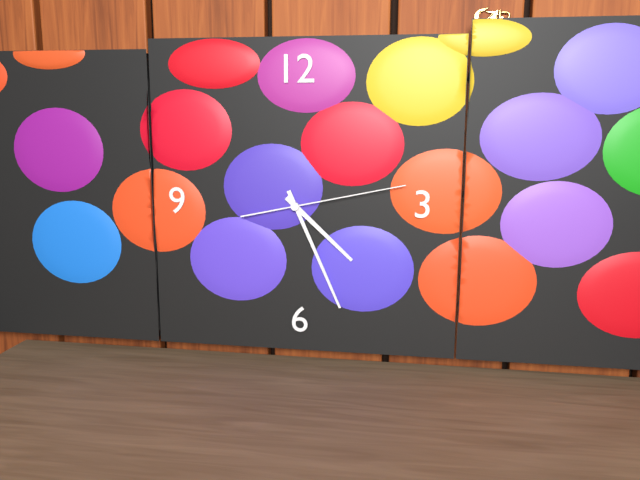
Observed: h=4 m=26 s=13
